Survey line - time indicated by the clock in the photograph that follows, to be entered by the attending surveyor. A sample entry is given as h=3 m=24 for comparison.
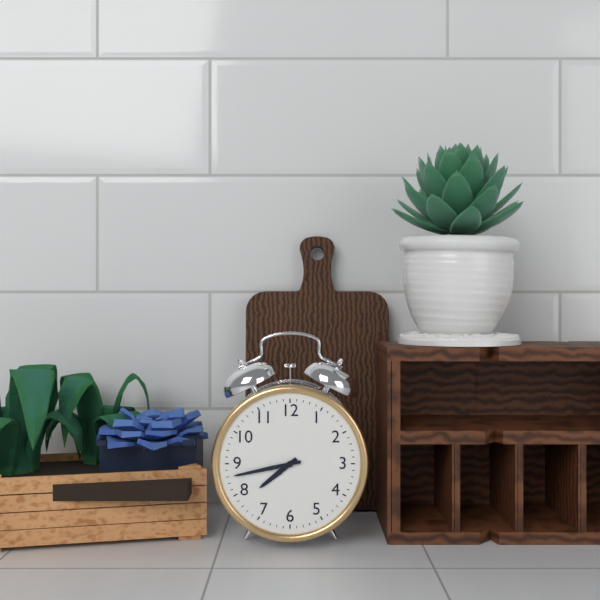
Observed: h=7 m=43
